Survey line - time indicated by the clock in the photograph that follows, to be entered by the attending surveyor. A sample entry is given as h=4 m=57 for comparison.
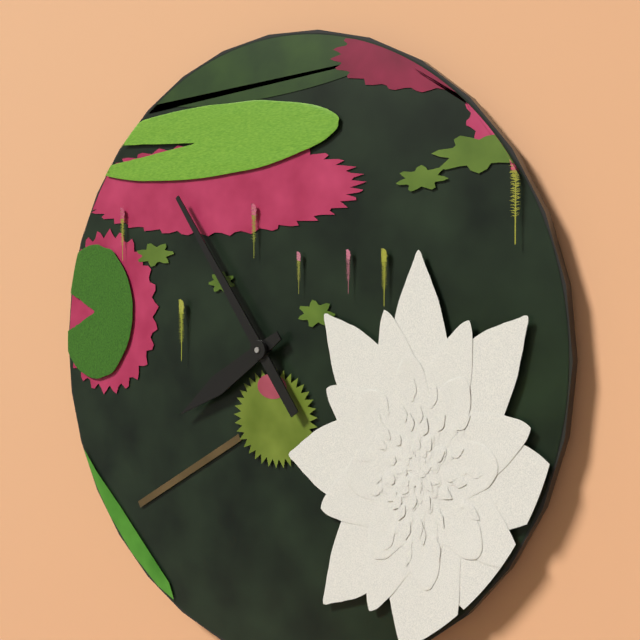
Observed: h=7 m=54
